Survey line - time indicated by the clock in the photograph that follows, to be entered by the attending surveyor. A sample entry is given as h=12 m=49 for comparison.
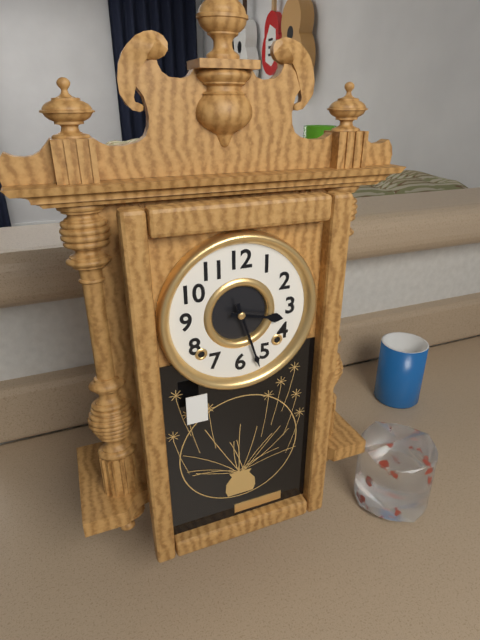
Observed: h=3 m=27
